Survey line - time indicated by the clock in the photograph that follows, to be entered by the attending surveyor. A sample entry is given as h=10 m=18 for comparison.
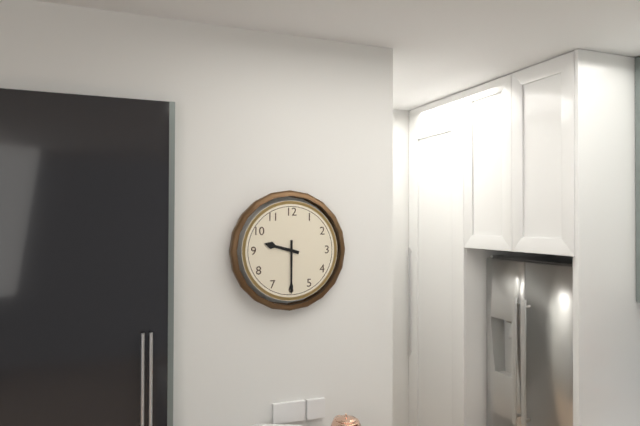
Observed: h=9 m=30
